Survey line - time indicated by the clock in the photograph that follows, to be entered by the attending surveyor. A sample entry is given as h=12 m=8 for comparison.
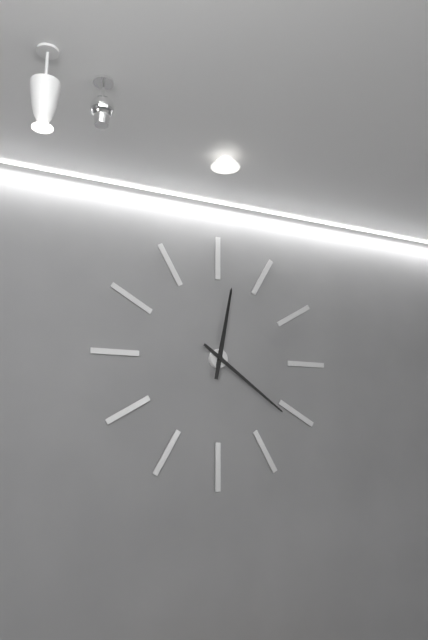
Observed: h=12 m=21
